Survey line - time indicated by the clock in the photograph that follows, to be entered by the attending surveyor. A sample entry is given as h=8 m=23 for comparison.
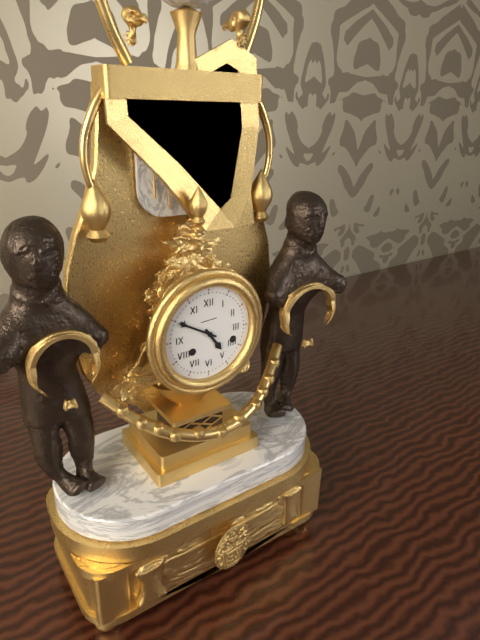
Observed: h=4 m=50
